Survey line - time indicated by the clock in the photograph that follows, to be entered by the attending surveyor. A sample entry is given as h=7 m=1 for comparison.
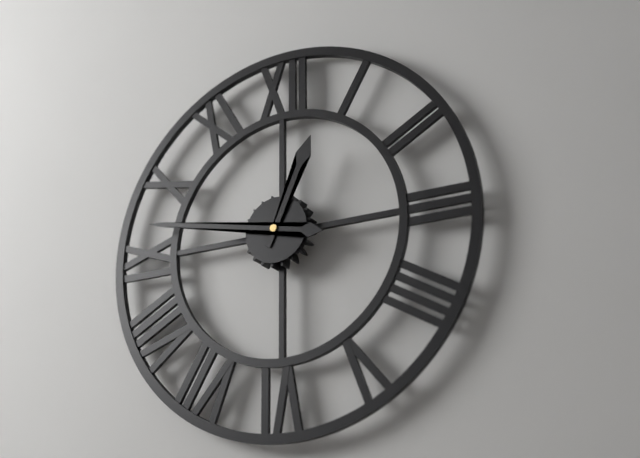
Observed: h=12 m=47
